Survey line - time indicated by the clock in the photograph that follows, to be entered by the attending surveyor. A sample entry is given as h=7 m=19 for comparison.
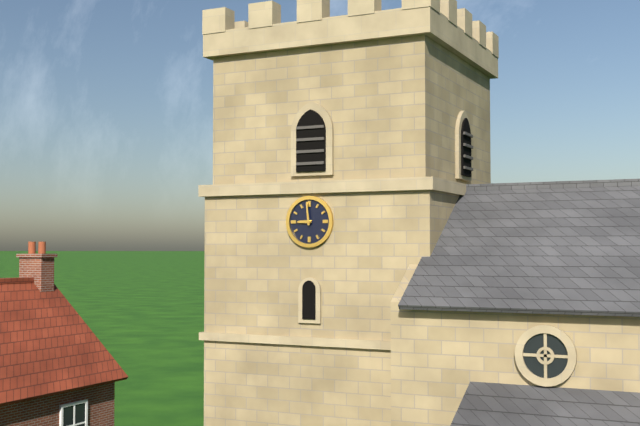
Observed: h=8 m=59
